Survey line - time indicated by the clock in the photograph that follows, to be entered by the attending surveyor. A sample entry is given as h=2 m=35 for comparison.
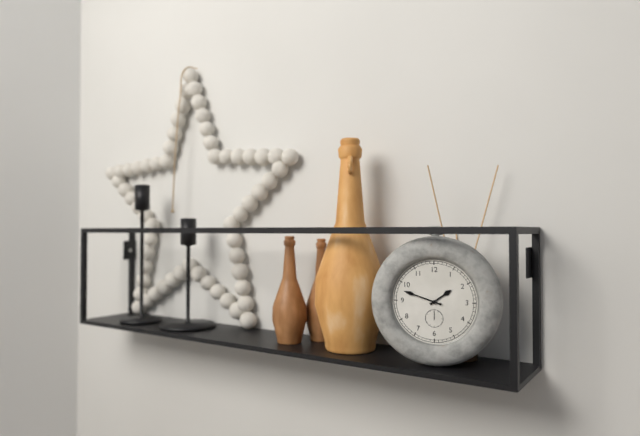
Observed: h=1 m=48
